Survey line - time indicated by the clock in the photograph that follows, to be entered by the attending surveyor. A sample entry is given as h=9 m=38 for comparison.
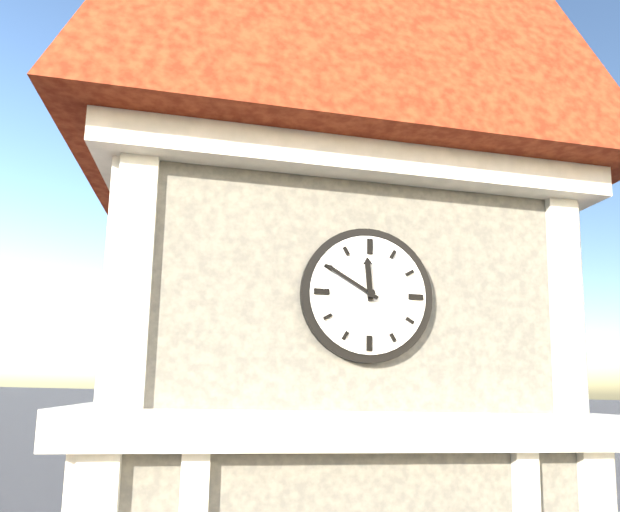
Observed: h=11 m=50
